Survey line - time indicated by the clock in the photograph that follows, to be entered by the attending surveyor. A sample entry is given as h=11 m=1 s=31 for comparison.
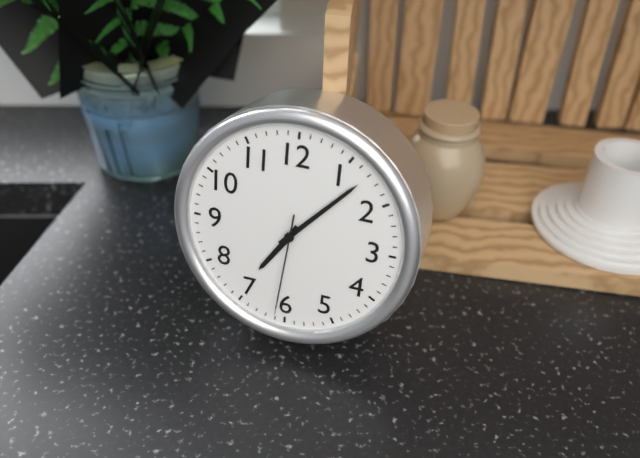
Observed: h=7 m=7 s=31
